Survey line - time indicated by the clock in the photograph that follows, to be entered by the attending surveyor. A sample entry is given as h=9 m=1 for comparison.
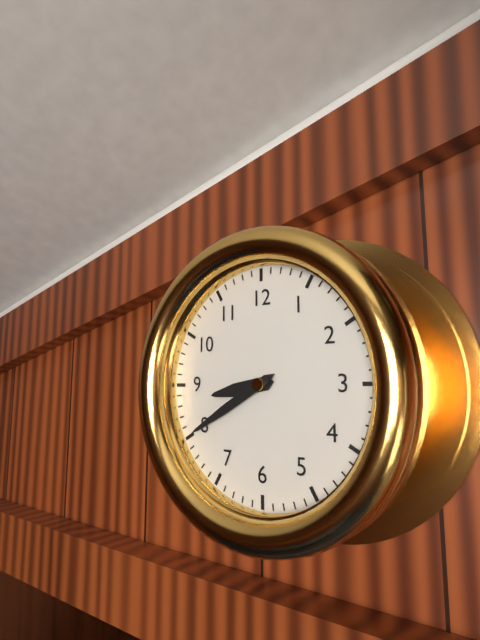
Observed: h=8 m=40
